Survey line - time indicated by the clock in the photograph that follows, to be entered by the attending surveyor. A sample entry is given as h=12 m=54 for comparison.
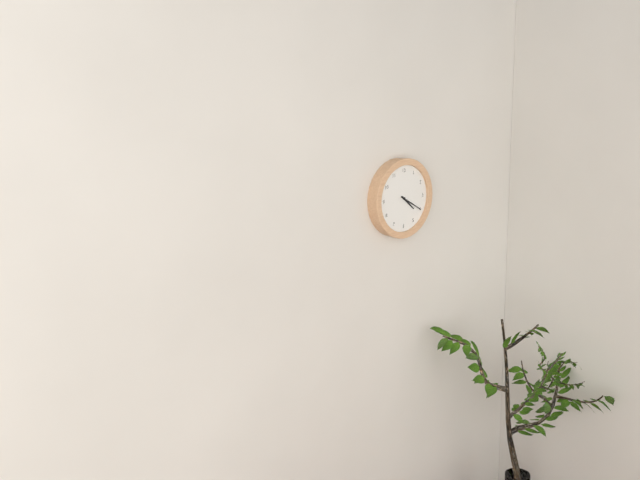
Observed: h=4 m=20
